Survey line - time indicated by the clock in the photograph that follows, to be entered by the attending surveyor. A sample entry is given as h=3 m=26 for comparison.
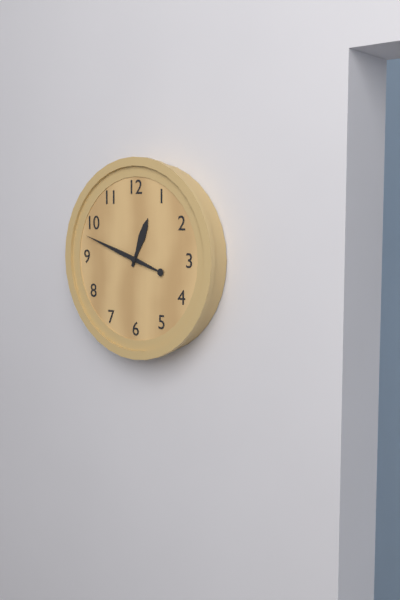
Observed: h=12 m=48
